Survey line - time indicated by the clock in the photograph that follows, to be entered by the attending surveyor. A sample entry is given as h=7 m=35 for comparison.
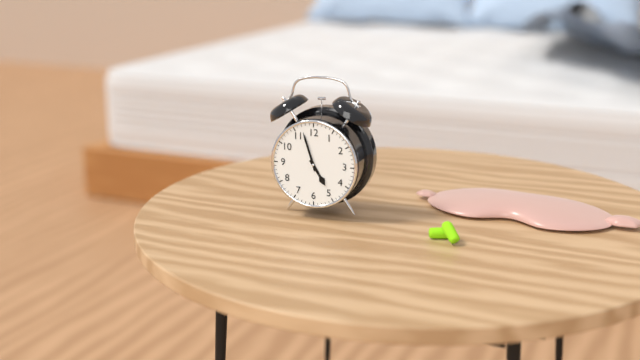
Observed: h=4 m=57
